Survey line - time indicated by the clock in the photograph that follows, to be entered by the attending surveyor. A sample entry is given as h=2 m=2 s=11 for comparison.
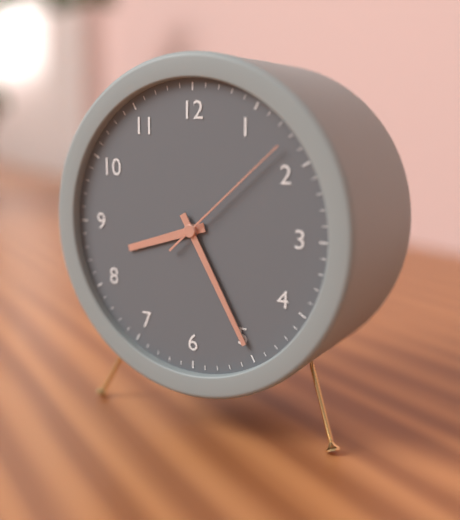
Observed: h=8 m=25 s=8
